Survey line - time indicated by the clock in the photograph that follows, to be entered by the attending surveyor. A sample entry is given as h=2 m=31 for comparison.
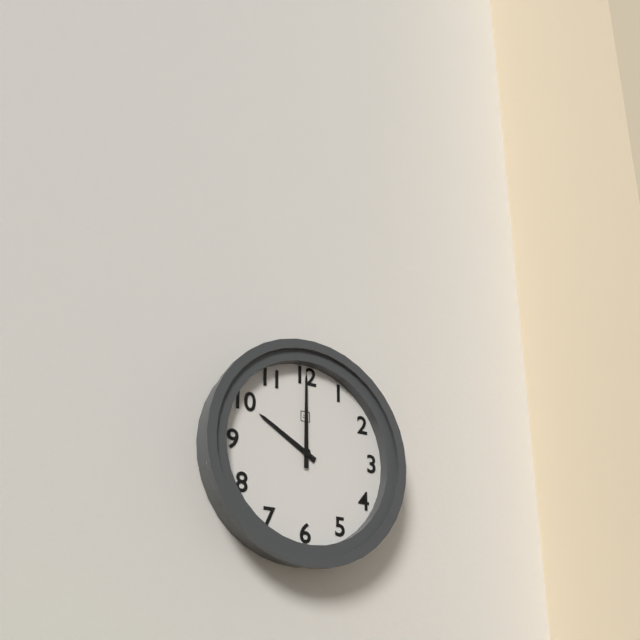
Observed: h=10 m=0
